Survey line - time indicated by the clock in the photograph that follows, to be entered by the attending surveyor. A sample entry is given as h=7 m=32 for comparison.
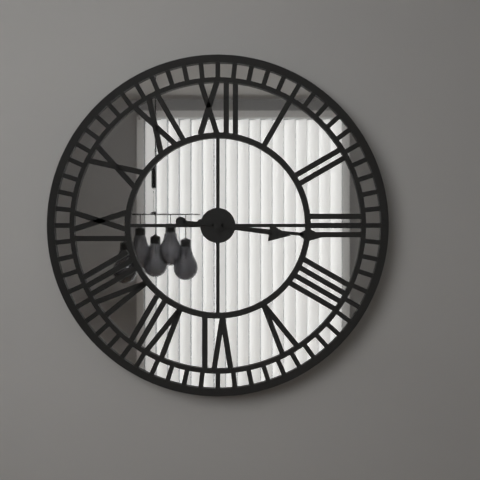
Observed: h=3 m=16
